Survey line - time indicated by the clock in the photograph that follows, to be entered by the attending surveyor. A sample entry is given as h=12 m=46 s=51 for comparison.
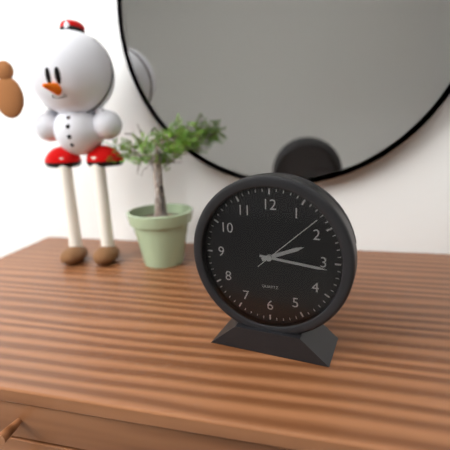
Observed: h=2 m=16 s=8
